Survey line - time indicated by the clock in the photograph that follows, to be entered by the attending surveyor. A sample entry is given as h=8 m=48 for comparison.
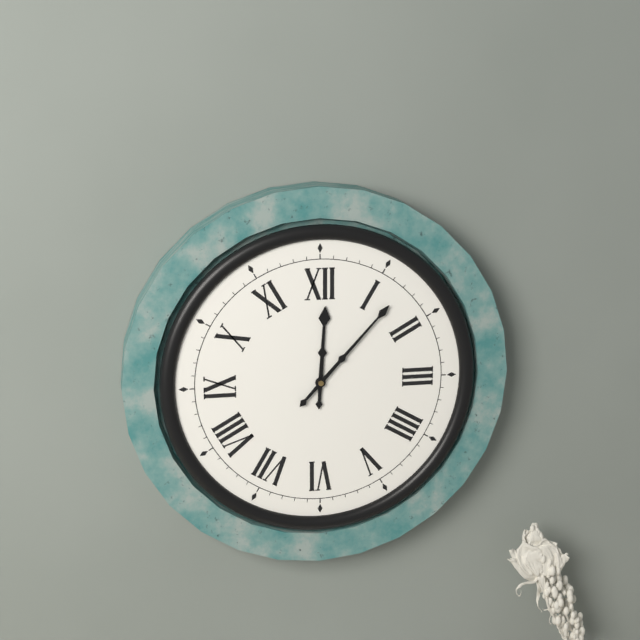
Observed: h=12 m=7
